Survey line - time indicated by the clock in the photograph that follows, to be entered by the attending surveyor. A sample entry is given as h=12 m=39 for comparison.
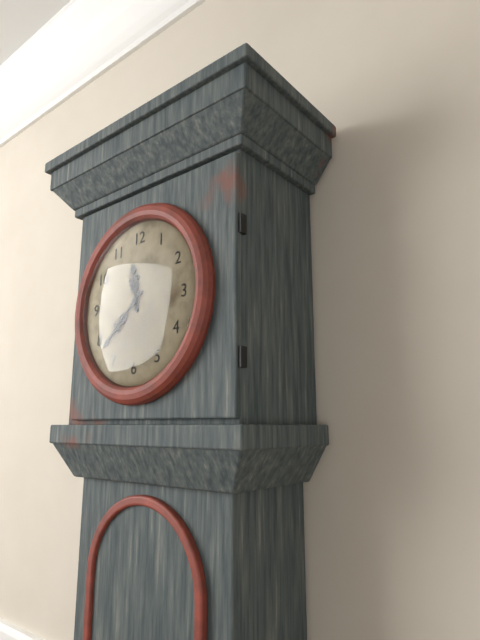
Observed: h=11 m=38
